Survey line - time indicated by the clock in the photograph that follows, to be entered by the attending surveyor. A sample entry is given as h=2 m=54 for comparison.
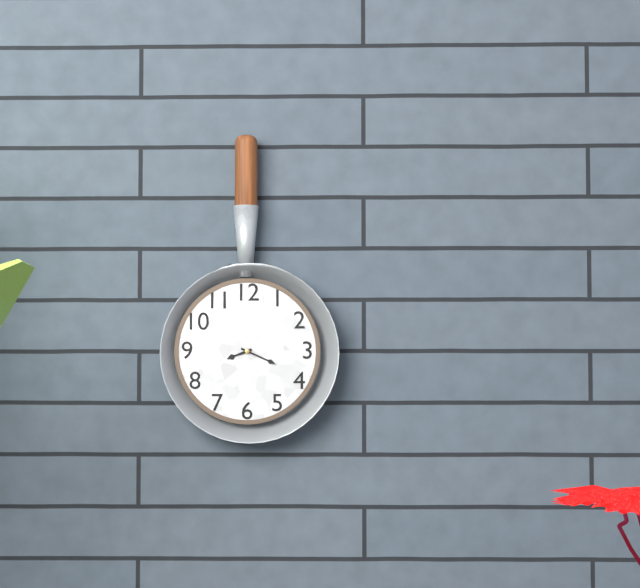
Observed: h=8 m=19
